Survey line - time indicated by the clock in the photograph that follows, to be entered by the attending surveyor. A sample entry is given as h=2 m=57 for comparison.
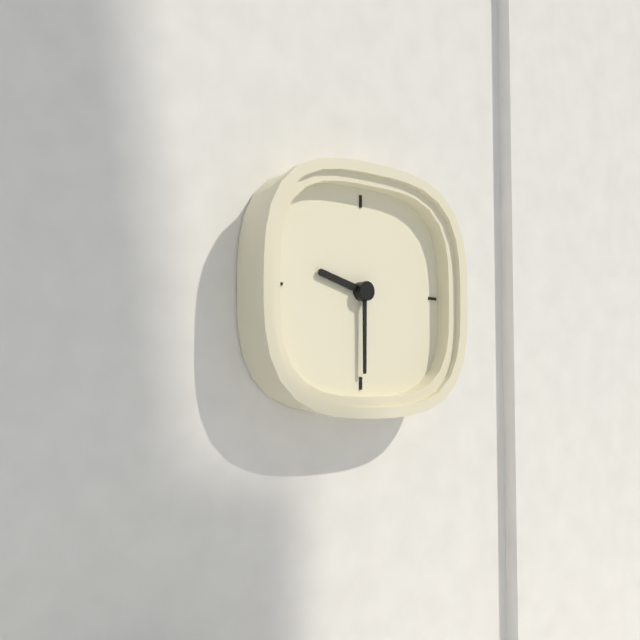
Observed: h=9 m=30
